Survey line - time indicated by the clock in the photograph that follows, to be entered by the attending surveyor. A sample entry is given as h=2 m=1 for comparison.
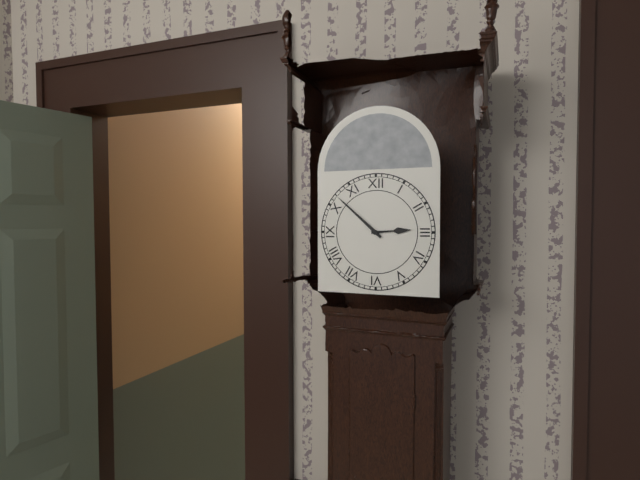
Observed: h=2 m=52
